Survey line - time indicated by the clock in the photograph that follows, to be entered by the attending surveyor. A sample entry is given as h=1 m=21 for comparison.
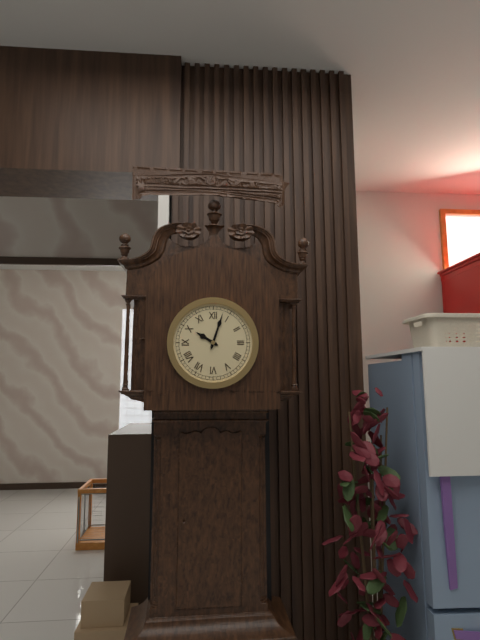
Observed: h=10 m=3
